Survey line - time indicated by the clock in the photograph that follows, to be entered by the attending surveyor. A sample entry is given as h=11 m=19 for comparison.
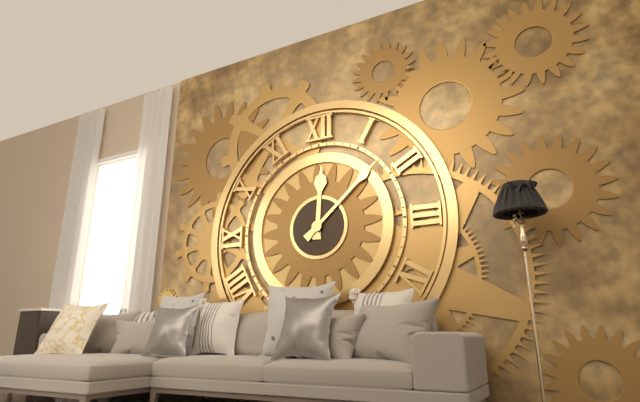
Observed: h=12 m=8
